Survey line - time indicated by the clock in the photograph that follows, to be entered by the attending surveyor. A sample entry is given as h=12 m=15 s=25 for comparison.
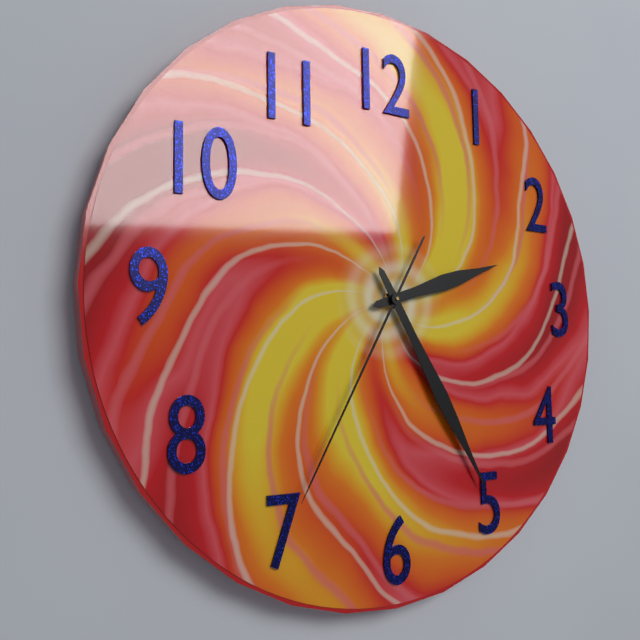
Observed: h=2 m=25 s=35
